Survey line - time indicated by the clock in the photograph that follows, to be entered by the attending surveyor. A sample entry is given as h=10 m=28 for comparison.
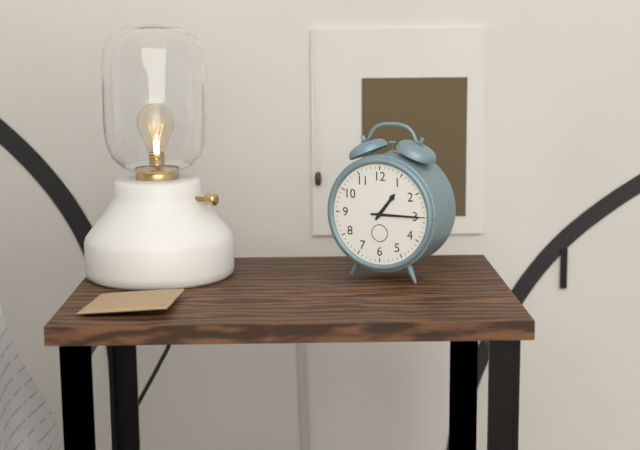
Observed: h=1 m=15
